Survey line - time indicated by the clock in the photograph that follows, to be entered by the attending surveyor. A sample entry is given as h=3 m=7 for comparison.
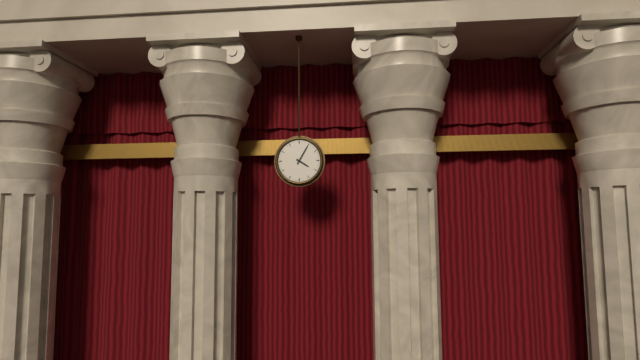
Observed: h=4 m=5
